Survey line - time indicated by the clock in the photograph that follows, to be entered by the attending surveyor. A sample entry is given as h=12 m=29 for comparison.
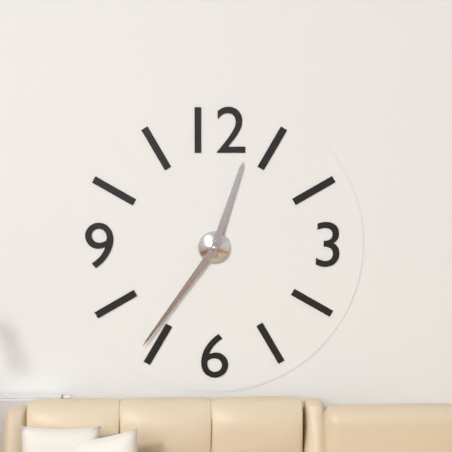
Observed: h=12 m=36
